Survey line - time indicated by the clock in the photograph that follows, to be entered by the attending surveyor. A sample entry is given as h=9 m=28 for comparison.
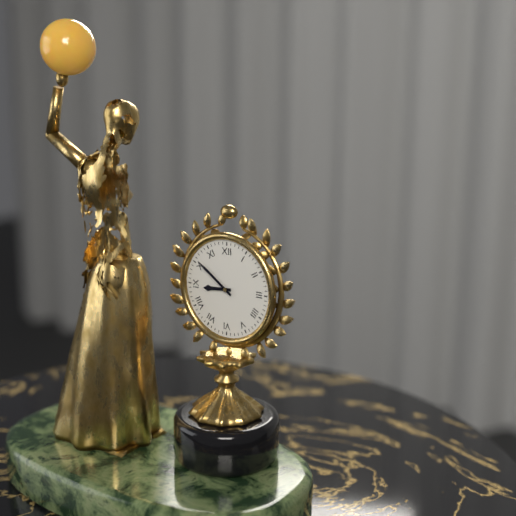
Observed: h=8 m=51
